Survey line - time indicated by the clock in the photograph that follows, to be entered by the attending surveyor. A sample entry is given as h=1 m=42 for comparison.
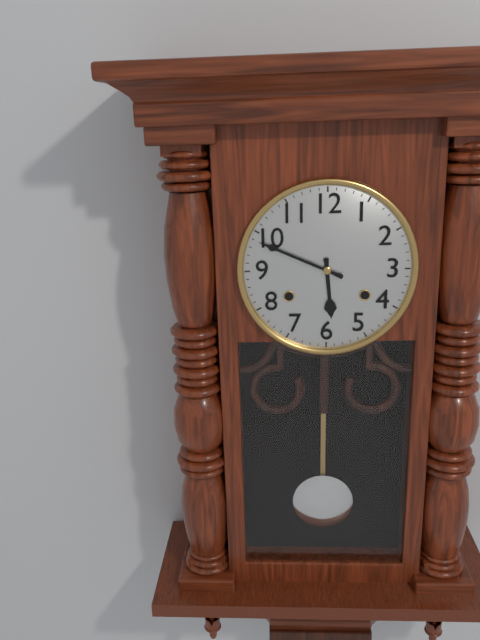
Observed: h=5 m=49
